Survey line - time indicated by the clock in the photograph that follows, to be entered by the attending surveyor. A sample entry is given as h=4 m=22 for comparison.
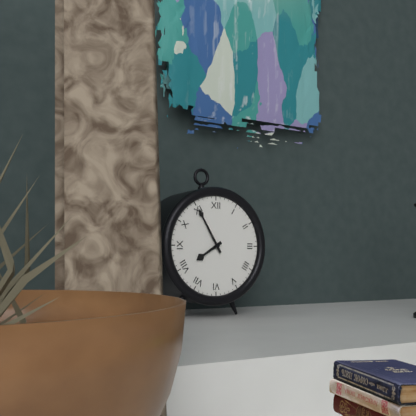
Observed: h=7 m=55
